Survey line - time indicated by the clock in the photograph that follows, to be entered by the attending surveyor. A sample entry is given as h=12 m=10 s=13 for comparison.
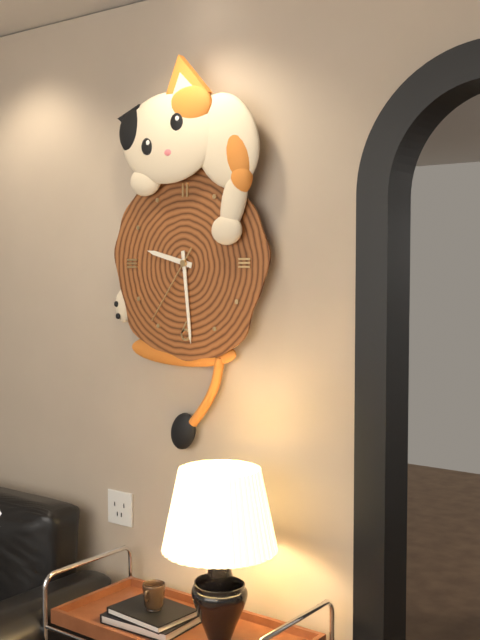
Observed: h=9 m=29 s=36
